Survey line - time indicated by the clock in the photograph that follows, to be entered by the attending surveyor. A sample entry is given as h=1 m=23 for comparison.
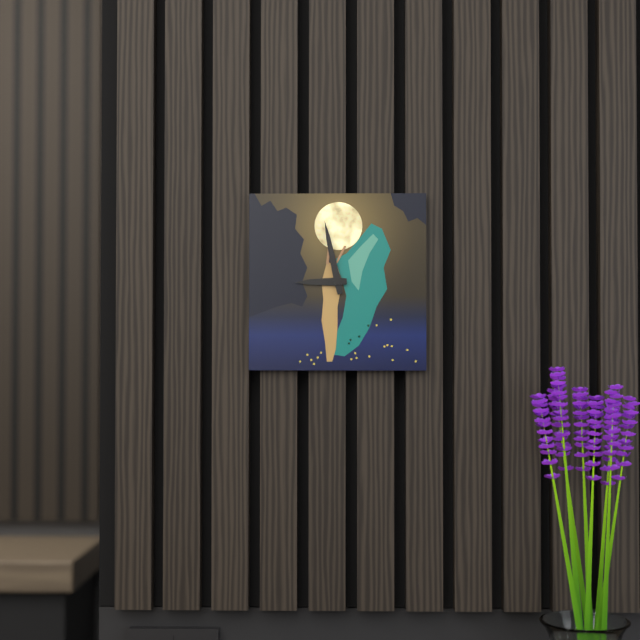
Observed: h=8 m=58
